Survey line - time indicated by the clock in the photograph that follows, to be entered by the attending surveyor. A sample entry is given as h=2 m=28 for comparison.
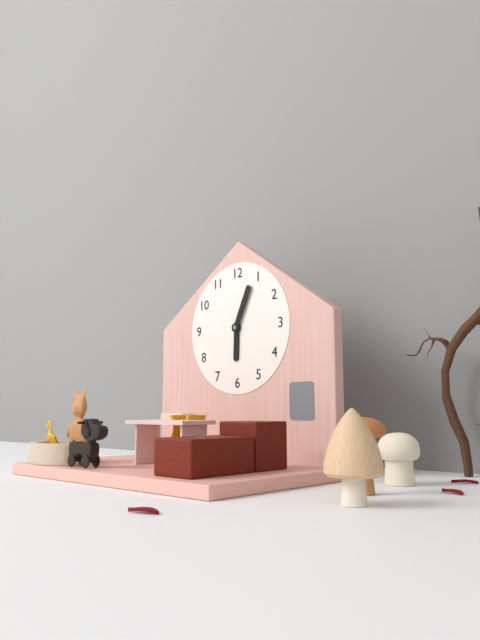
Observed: h=6 m=4
